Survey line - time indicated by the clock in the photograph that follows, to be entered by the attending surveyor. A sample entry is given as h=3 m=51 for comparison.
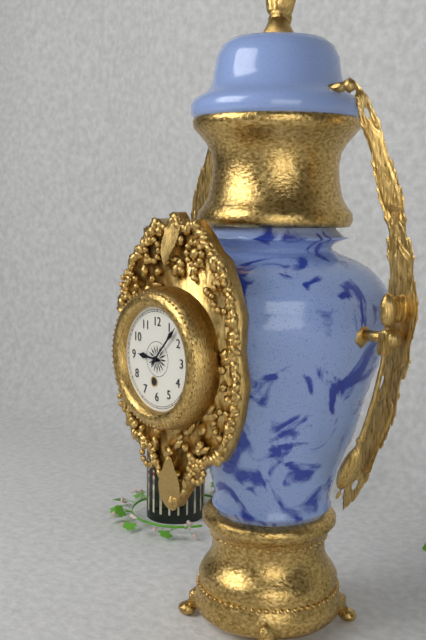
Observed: h=9 m=7
